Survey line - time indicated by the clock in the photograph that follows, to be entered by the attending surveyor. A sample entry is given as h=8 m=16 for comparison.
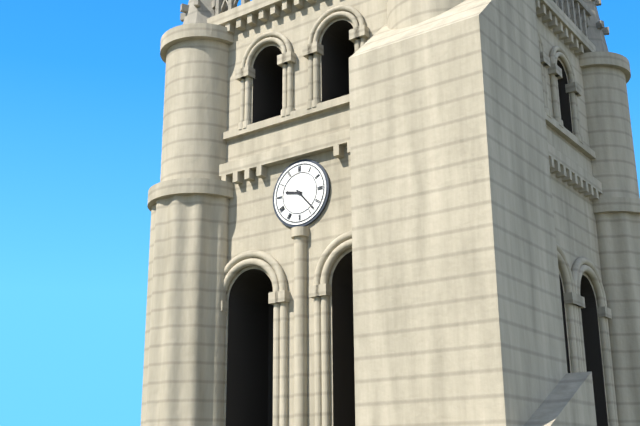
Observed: h=9 m=23
